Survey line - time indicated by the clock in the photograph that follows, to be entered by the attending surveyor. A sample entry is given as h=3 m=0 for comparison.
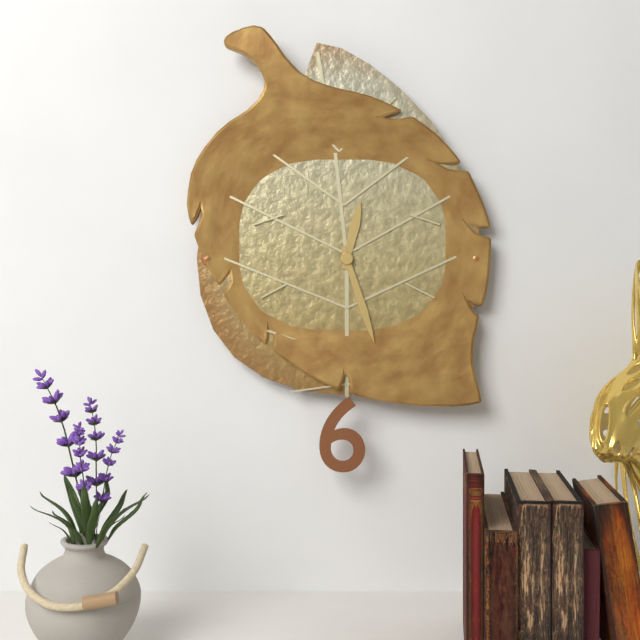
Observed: h=12 m=27
